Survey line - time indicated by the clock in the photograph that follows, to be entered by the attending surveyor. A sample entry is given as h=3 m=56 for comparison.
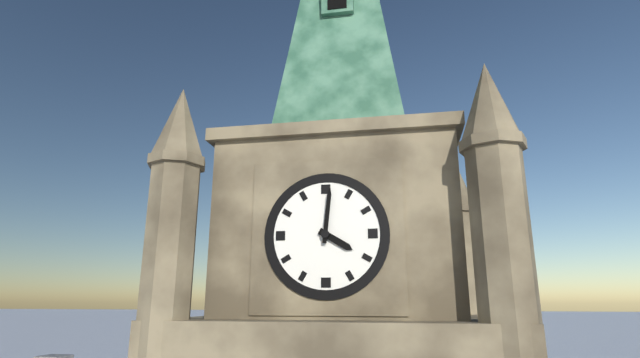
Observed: h=4 m=1
